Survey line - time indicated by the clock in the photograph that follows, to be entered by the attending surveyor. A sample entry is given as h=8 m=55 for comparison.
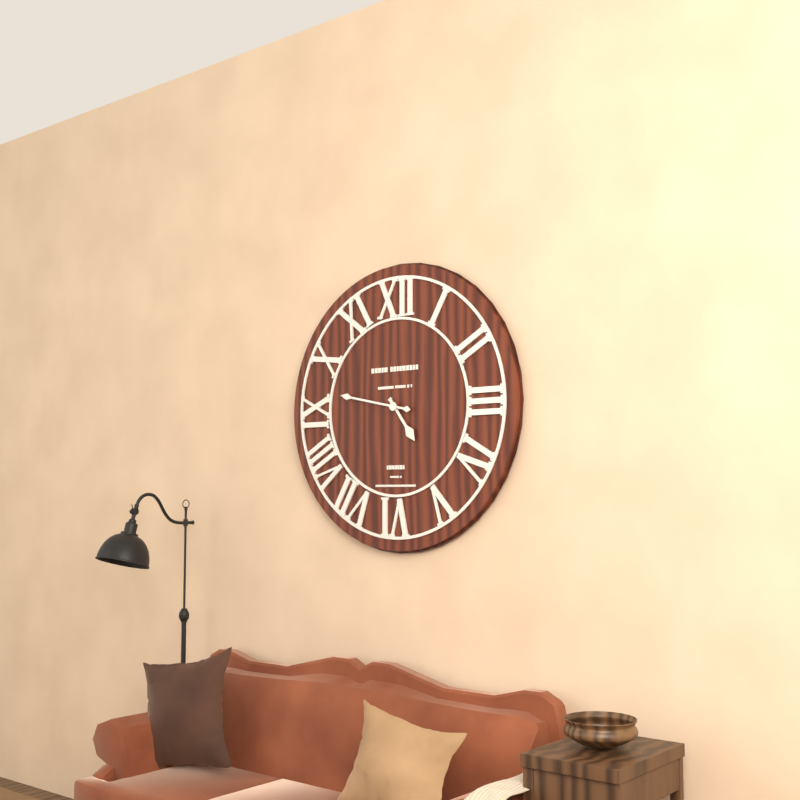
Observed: h=4 m=47
